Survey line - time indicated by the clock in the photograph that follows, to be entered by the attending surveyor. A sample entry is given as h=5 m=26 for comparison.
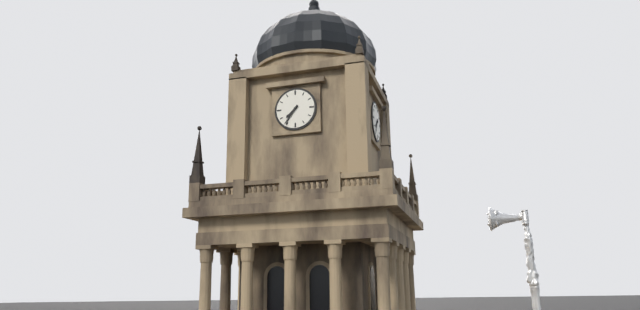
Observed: h=7 m=36
